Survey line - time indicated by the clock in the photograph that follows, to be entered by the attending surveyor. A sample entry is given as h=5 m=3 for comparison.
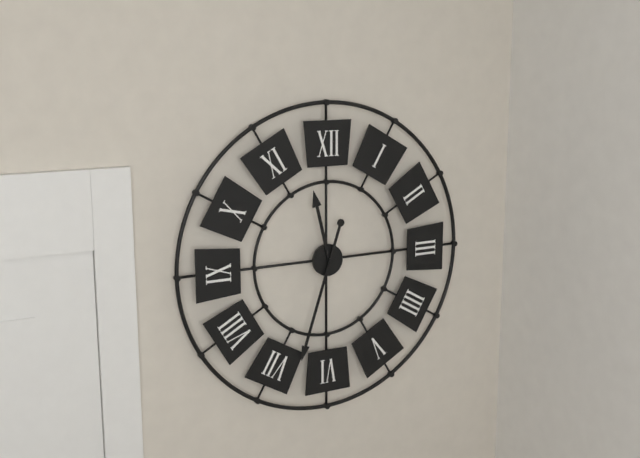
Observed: h=11 m=33
